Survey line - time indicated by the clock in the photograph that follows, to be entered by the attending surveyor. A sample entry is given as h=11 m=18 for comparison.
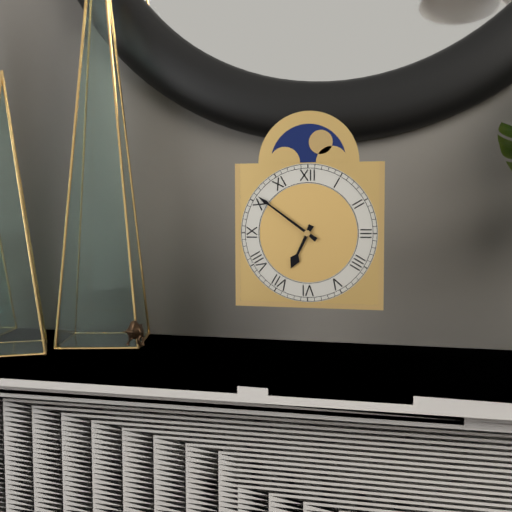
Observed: h=6 m=51
